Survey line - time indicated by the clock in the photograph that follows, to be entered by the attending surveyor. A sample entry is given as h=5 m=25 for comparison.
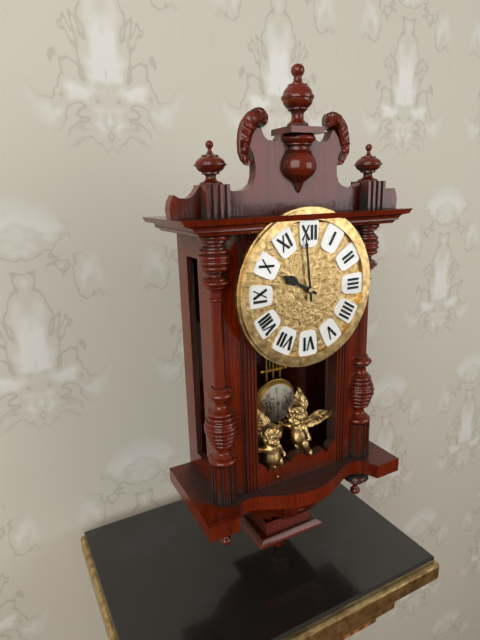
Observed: h=9 m=59
